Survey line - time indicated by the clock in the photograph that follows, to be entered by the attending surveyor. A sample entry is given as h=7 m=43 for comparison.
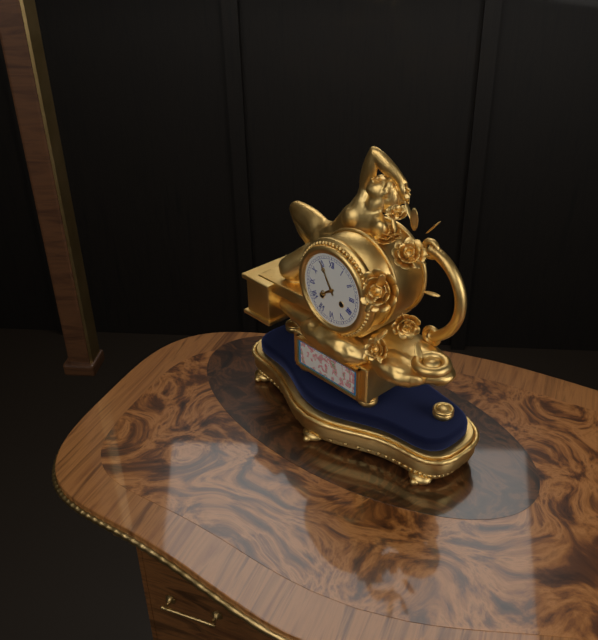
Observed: h=7 m=55
